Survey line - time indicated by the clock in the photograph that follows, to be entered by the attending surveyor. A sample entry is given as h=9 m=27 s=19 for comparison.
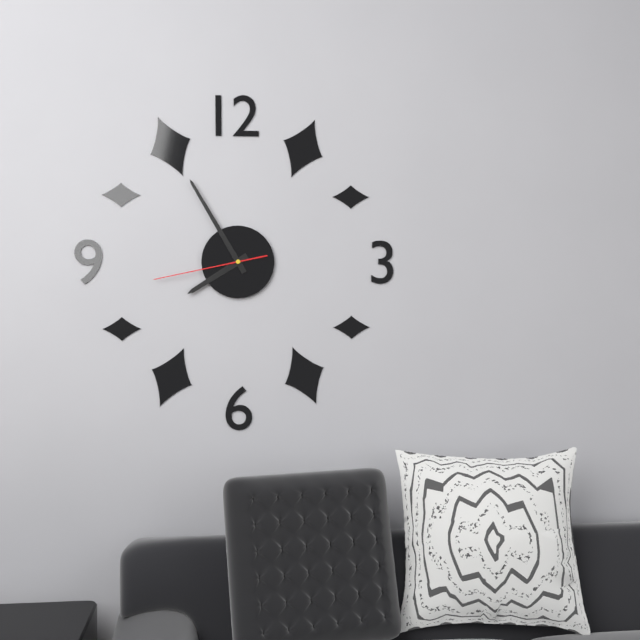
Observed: h=7 m=55 s=43
